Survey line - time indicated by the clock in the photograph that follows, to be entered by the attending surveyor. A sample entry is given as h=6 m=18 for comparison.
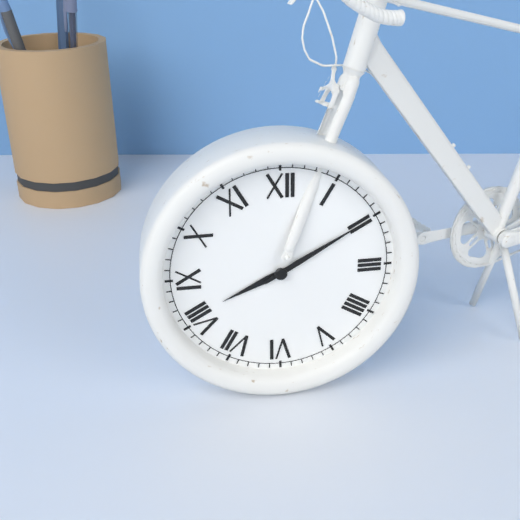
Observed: h=8 m=10
